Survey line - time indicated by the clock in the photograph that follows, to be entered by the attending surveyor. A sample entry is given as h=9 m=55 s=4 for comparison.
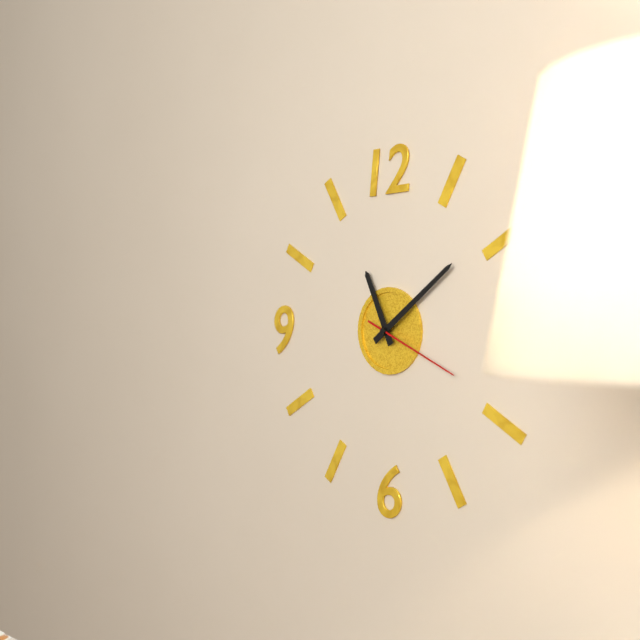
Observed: h=11 m=9 s=19
